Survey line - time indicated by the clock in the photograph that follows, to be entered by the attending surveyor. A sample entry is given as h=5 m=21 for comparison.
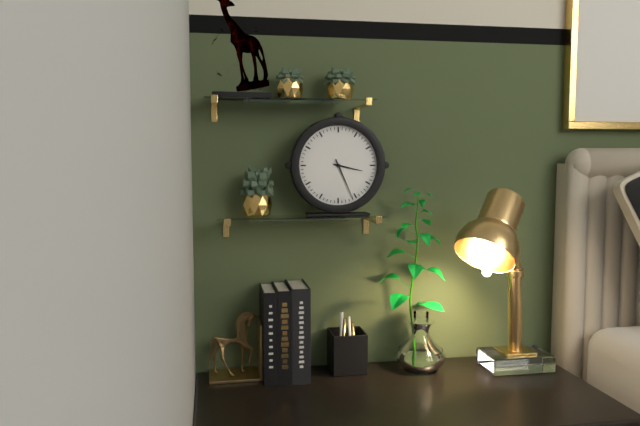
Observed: h=3 m=26
